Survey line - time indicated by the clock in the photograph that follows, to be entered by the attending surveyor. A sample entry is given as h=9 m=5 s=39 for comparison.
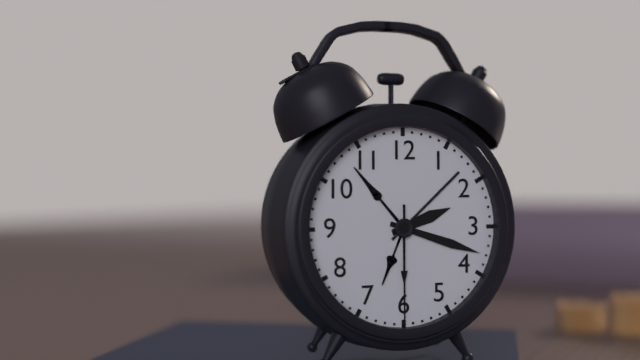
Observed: h=2 m=18 s=30
